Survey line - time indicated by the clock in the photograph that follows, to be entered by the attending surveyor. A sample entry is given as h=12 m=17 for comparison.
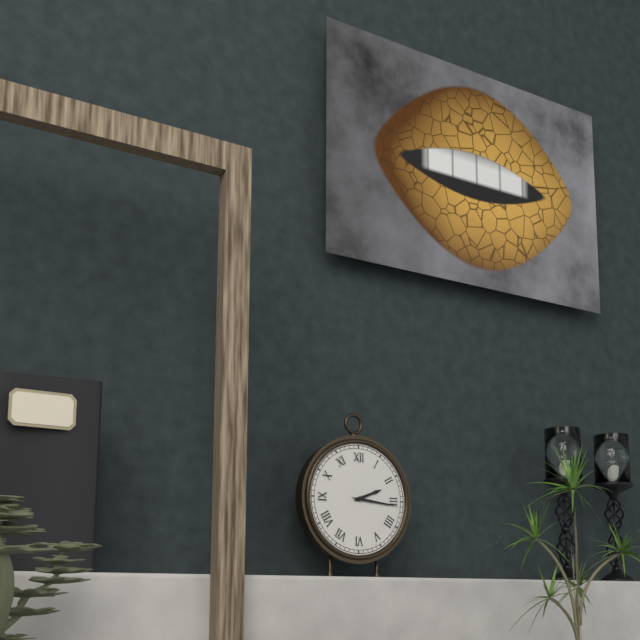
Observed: h=2 m=16
